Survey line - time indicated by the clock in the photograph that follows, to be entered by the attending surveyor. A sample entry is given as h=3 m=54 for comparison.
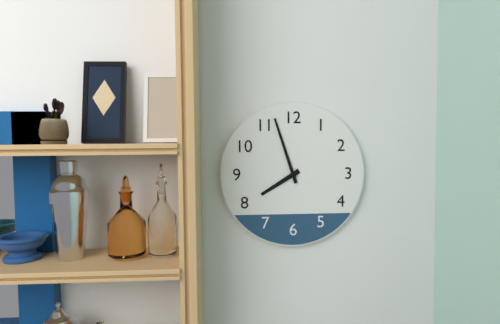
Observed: h=7 m=57
